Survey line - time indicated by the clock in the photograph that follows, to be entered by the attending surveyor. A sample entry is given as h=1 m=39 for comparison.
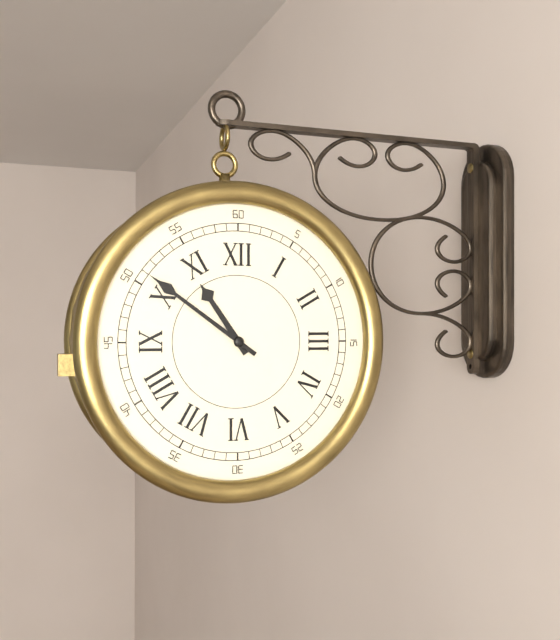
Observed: h=10 m=51
